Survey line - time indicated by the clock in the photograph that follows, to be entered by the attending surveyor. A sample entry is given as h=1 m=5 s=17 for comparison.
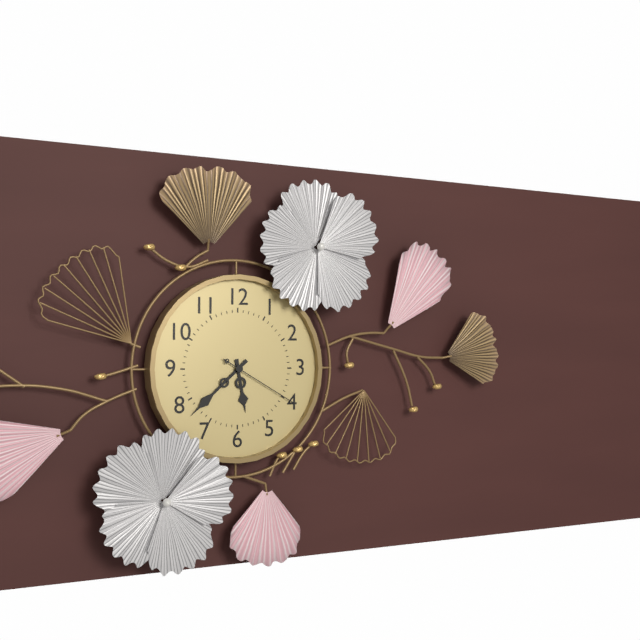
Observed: h=5 m=38 s=20
